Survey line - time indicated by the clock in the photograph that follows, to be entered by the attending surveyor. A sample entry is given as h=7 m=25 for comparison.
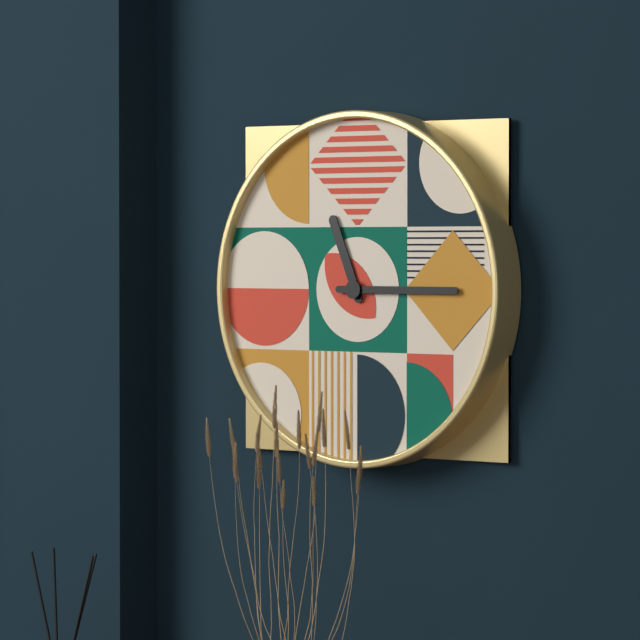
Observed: h=11 m=15
